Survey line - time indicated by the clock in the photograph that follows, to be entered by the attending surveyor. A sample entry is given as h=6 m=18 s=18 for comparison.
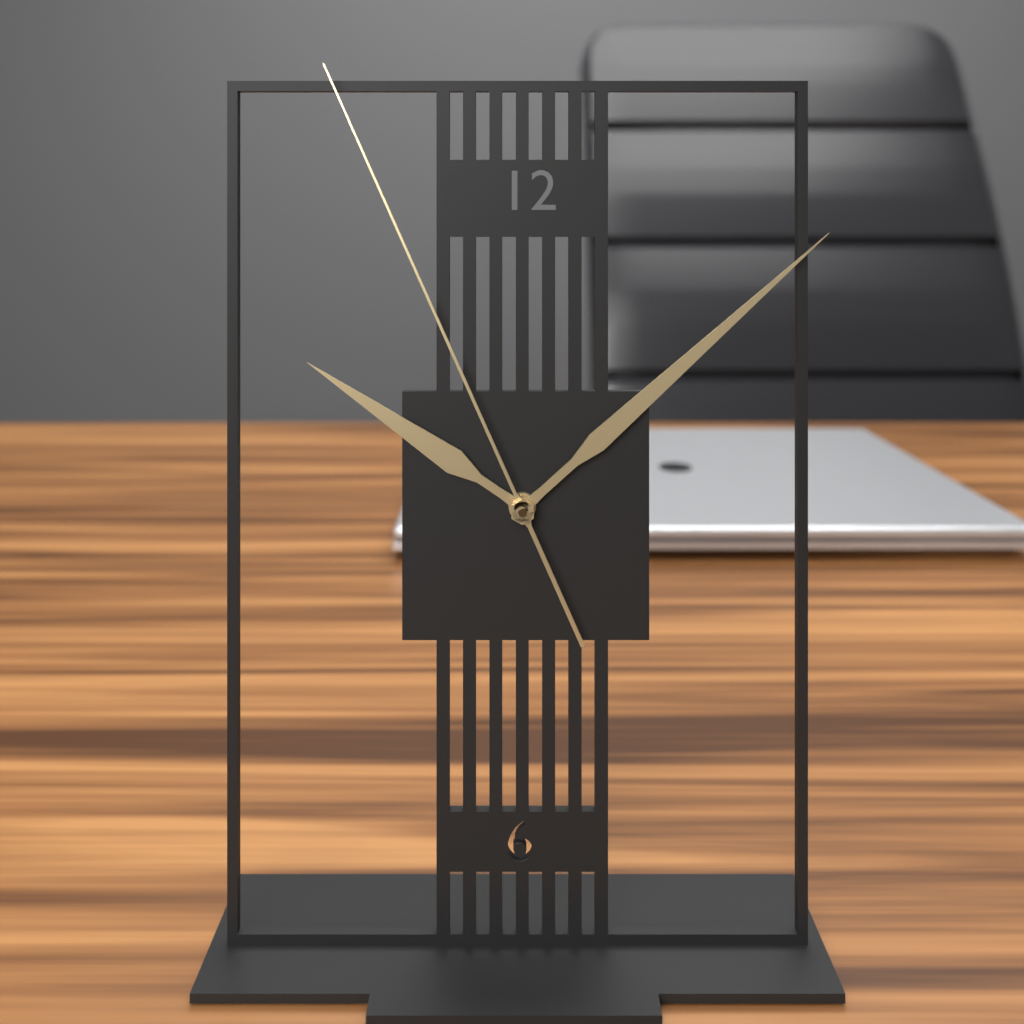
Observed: h=10 m=8 s=56
